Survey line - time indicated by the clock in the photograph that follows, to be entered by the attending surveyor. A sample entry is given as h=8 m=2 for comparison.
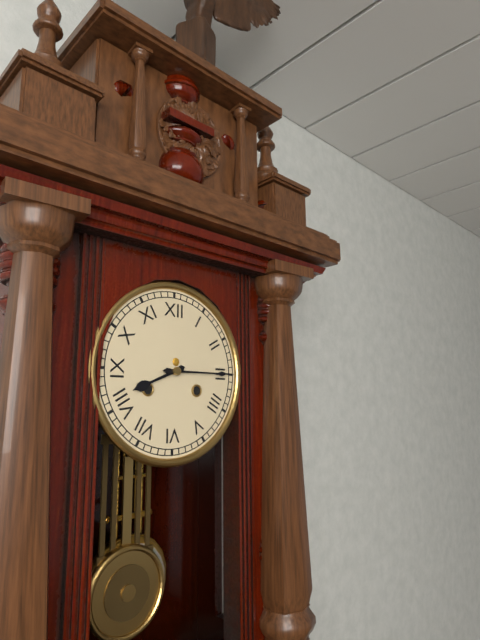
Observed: h=8 m=15
